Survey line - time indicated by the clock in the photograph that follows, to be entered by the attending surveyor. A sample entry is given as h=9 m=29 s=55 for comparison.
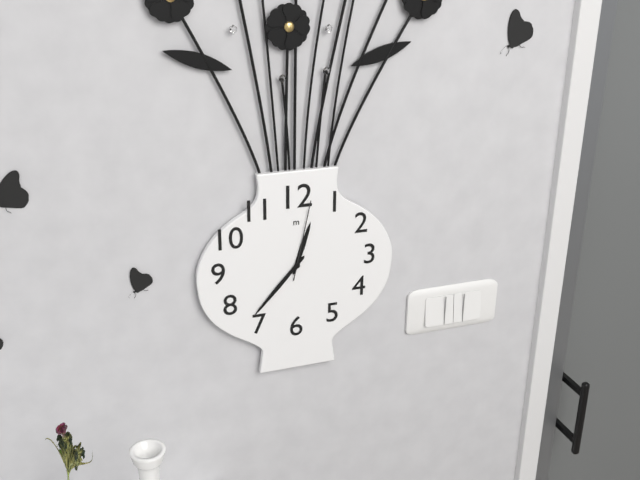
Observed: h=12 m=37 s=2
